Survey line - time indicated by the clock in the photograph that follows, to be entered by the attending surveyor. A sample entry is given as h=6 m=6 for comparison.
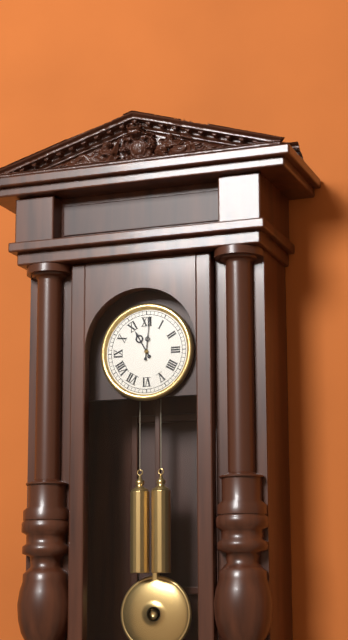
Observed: h=11 m=1
